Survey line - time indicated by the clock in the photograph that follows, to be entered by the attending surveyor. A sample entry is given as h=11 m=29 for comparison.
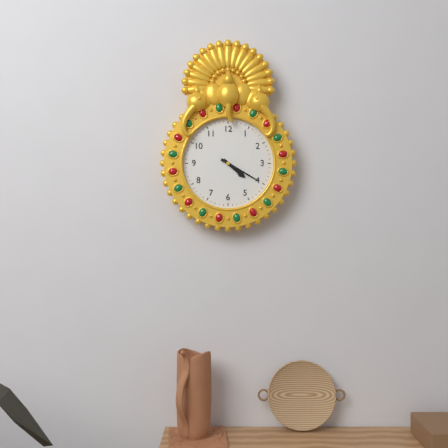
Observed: h=4 m=20
